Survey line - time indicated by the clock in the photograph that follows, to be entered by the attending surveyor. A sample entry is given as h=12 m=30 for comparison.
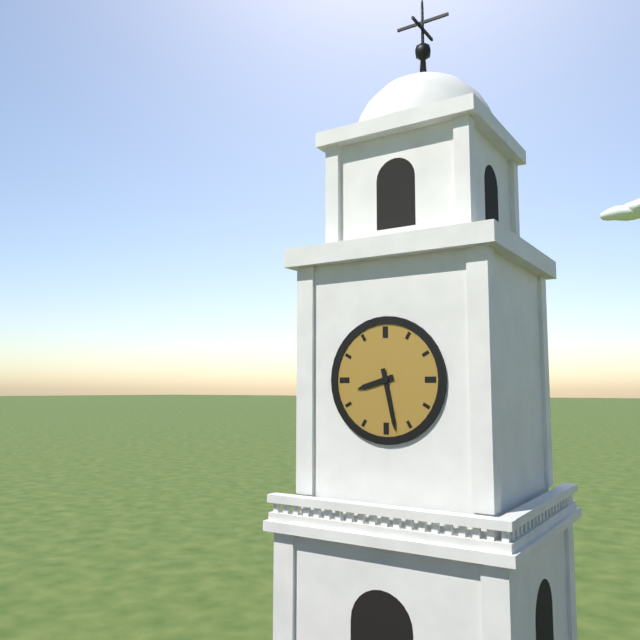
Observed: h=8 m=28
